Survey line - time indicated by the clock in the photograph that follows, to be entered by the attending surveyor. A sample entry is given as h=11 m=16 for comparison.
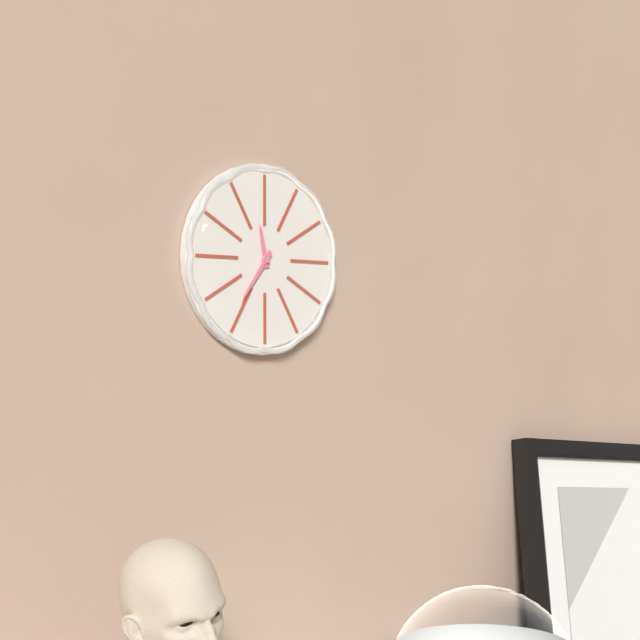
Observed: h=11 m=36
